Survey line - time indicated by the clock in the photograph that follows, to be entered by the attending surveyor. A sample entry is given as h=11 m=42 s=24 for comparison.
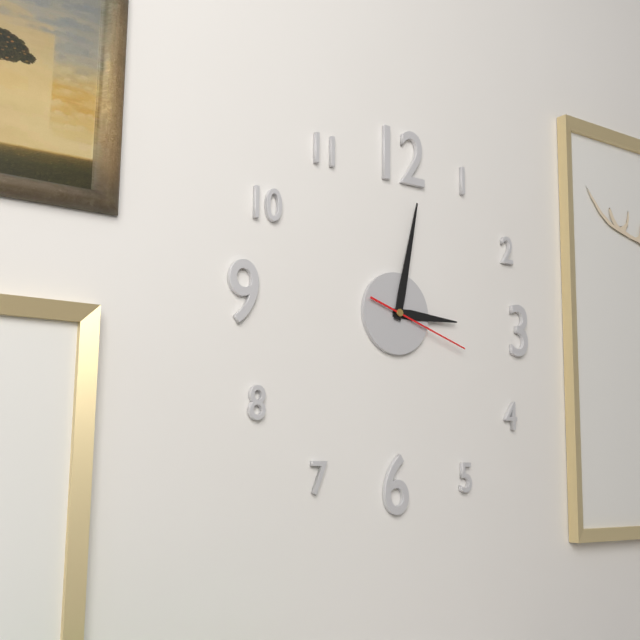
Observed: h=3 m=2 s=18
